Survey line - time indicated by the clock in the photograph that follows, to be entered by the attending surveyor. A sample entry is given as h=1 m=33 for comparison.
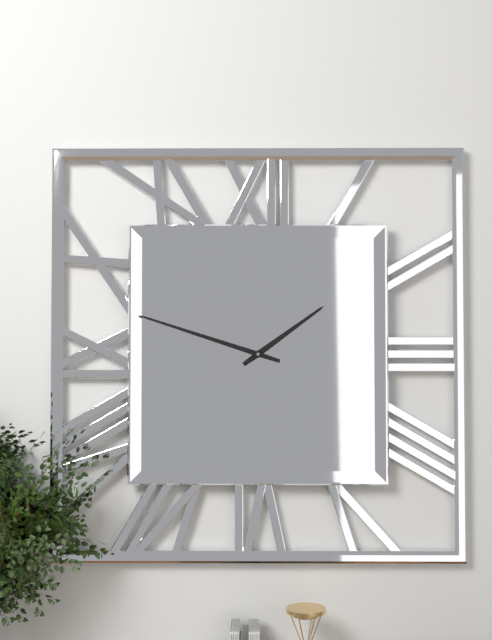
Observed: h=1 m=48
